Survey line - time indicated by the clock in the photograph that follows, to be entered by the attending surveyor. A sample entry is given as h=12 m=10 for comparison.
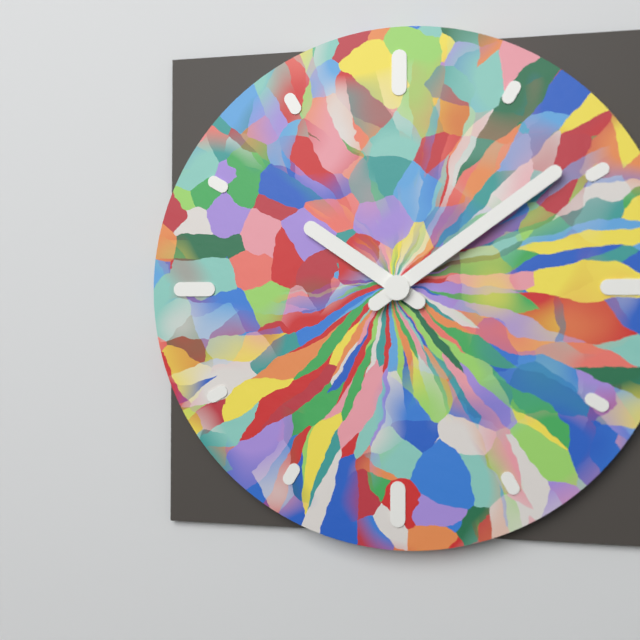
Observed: h=10 m=9
